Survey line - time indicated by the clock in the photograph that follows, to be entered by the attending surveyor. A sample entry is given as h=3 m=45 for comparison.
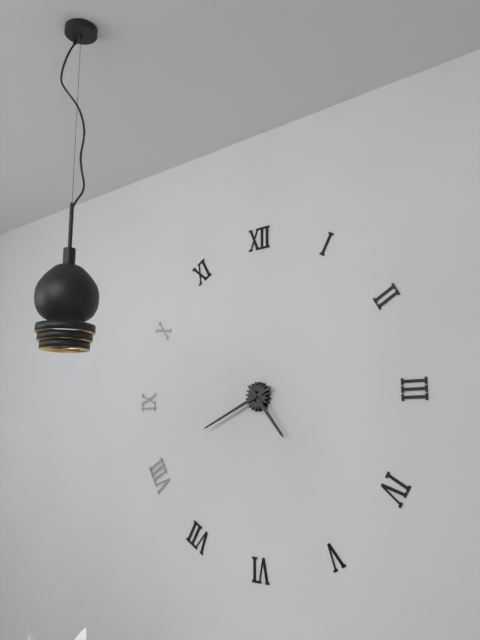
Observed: h=4 m=41
